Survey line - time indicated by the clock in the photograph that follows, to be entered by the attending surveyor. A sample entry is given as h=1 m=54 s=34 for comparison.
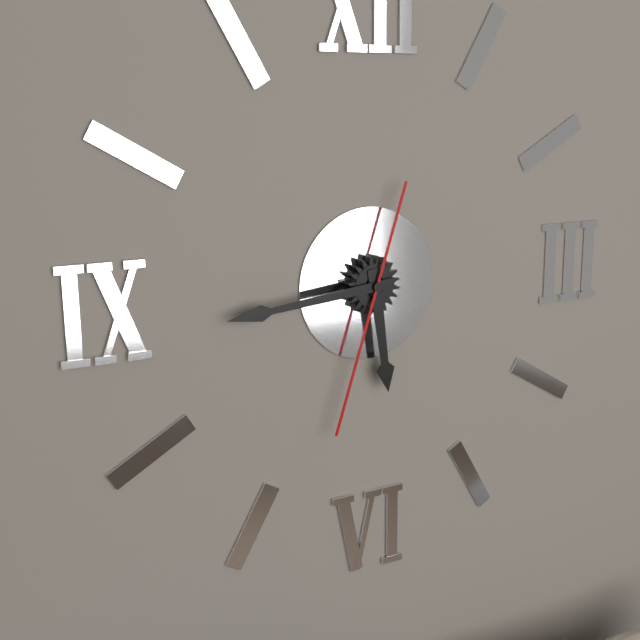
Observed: h=5 m=44 s=33
